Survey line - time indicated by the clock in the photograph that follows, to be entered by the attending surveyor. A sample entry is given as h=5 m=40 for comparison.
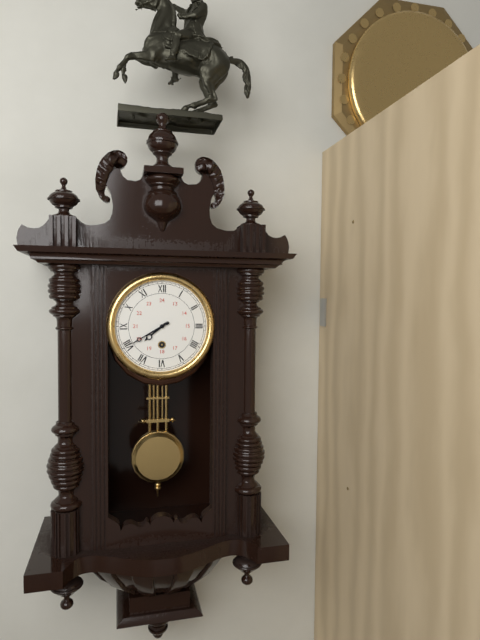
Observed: h=7 m=40
